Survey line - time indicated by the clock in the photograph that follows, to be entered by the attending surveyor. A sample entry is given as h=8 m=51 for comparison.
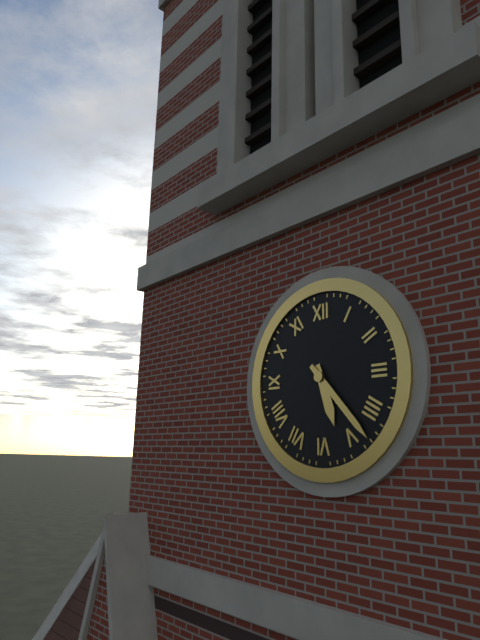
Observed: h=5 m=23
